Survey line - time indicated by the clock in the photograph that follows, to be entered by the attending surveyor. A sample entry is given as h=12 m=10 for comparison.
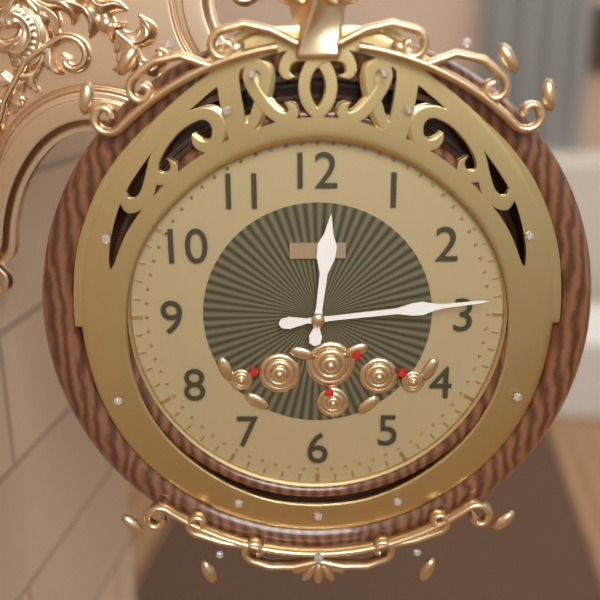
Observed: h=12 m=14
